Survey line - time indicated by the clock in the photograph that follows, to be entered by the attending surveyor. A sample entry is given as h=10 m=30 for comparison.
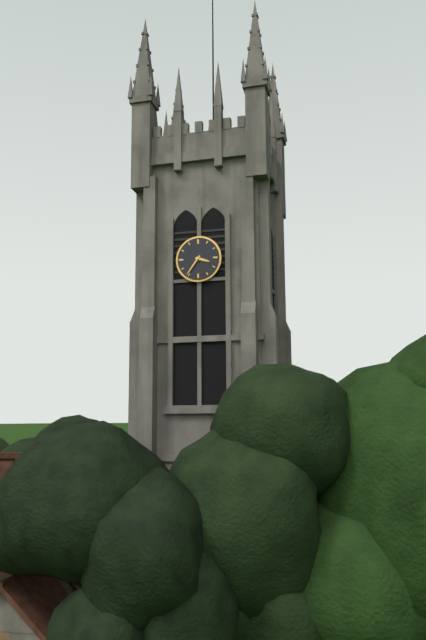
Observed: h=3 m=36
